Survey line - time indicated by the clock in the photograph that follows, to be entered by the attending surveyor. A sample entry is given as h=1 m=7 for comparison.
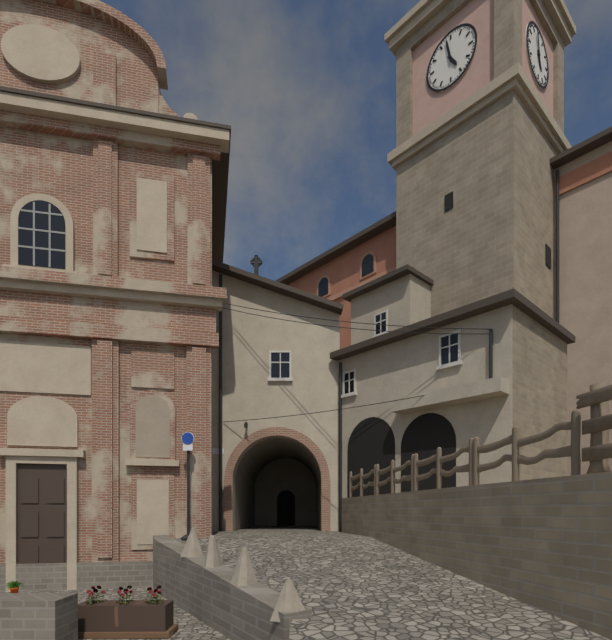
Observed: h=4 m=58
